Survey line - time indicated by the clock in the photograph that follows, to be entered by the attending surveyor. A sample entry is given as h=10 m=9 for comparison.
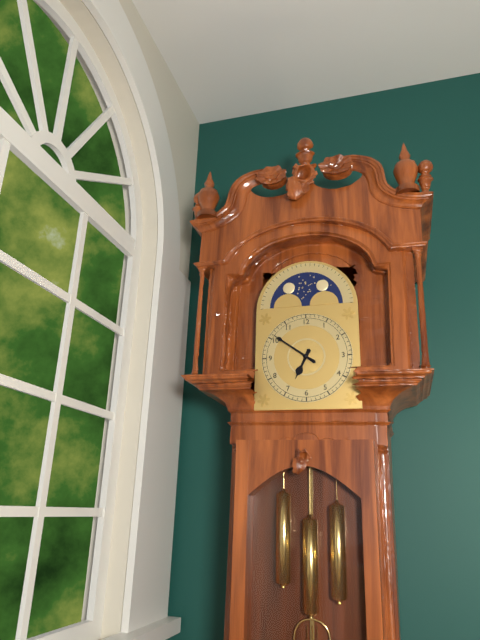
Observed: h=6 m=51
